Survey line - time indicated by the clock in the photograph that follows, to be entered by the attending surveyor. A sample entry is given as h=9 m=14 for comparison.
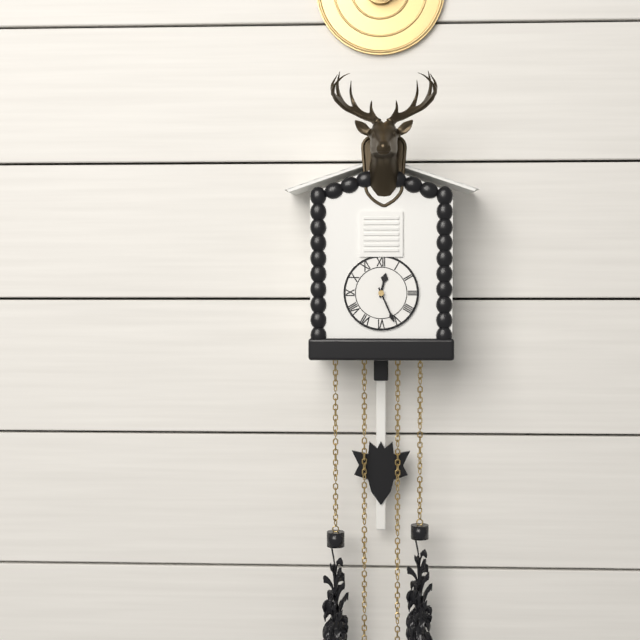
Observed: h=12 m=26
